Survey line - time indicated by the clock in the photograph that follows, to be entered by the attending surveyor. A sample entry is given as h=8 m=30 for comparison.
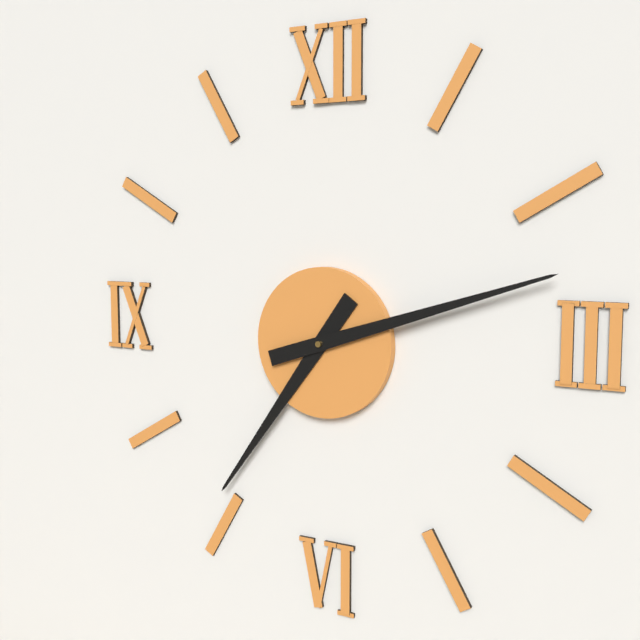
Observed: h=7 m=12
